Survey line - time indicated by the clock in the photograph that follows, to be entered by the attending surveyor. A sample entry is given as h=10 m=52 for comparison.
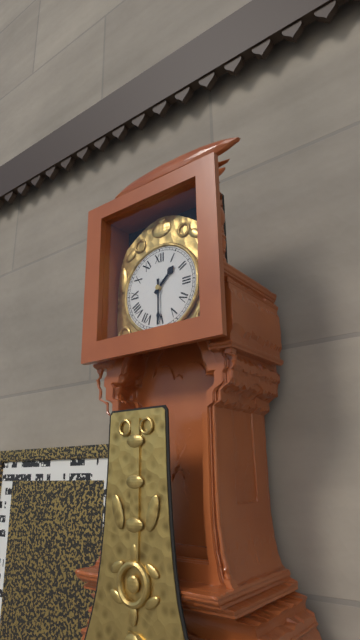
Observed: h=1 m=30
